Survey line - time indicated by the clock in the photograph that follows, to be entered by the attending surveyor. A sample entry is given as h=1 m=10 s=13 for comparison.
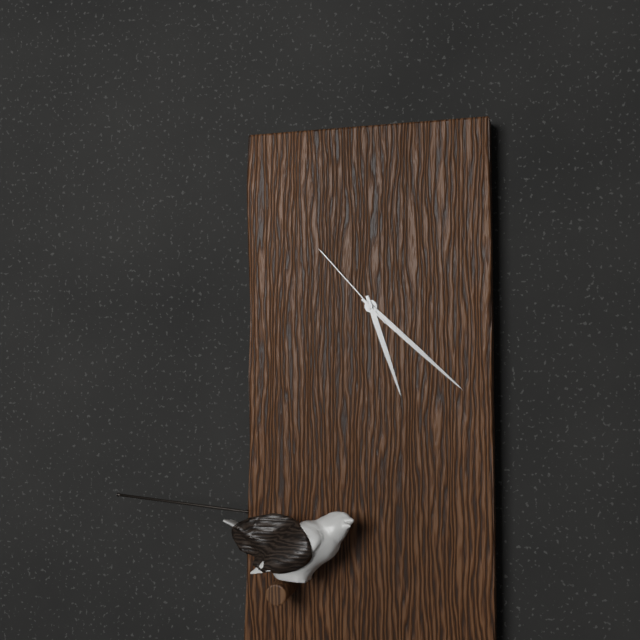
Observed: h=5 m=22 s=53
